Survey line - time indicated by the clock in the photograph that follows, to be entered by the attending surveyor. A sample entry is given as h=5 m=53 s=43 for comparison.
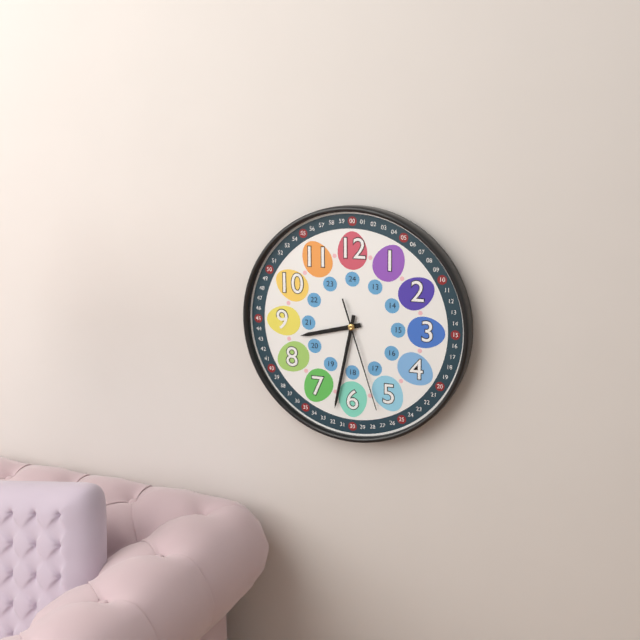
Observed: h=8 m=32 s=27
